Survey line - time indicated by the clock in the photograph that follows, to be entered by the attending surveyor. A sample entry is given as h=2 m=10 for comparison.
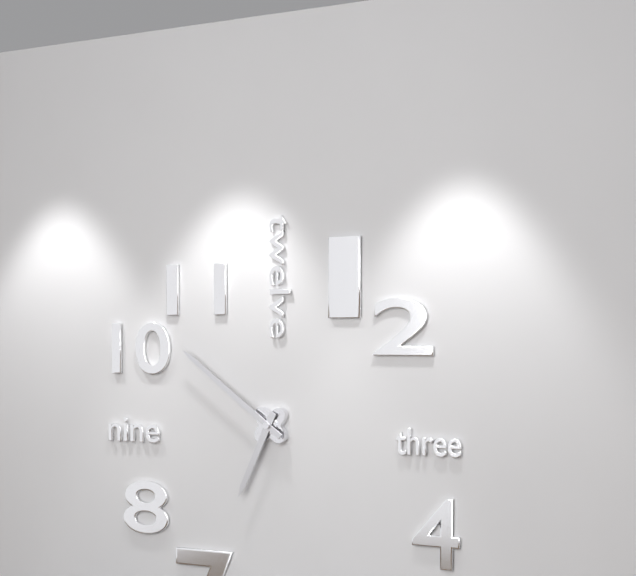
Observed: h=6 m=51
